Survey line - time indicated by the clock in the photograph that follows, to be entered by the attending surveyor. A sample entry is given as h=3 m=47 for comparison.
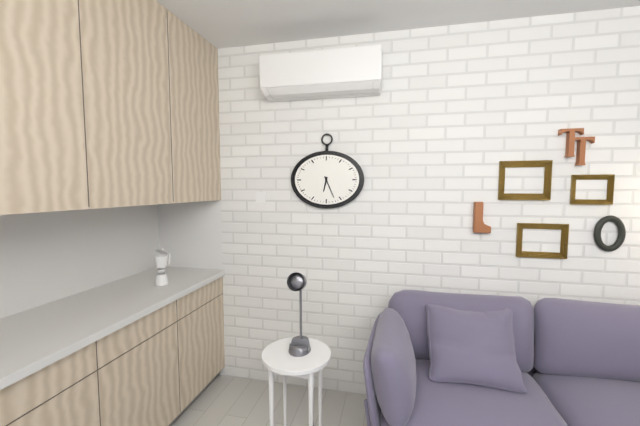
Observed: h=6 m=26
